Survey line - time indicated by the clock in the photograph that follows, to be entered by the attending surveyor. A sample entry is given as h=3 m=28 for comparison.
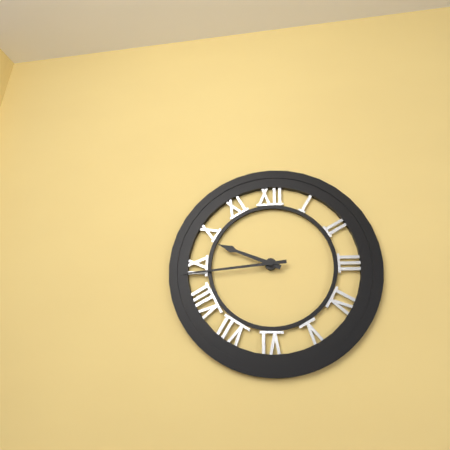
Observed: h=9 m=44
